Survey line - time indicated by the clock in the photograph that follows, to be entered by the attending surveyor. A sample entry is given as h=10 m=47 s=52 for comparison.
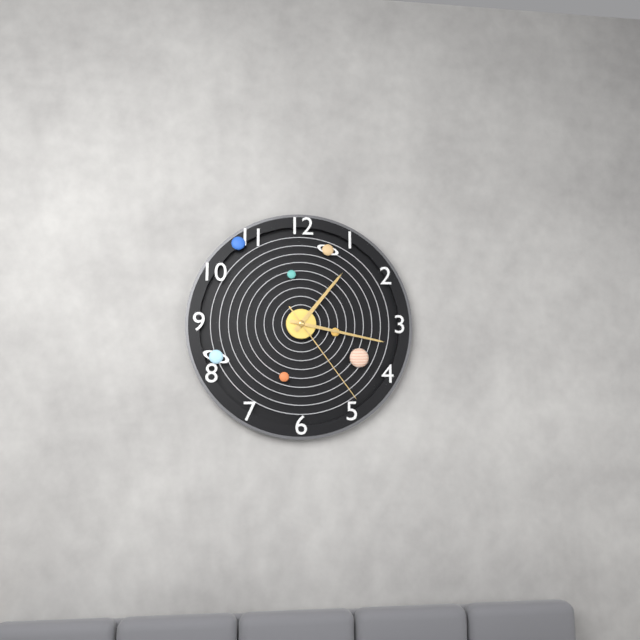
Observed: h=1 m=17 s=24
